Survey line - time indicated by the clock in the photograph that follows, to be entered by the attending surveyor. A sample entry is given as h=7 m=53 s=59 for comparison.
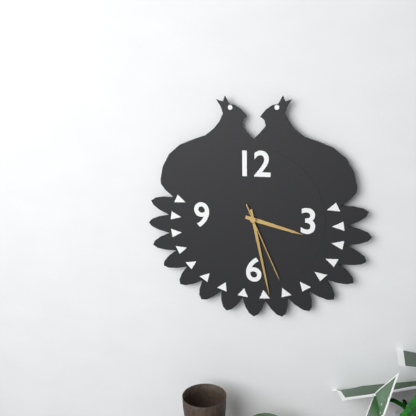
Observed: h=3 m=28 s=26
